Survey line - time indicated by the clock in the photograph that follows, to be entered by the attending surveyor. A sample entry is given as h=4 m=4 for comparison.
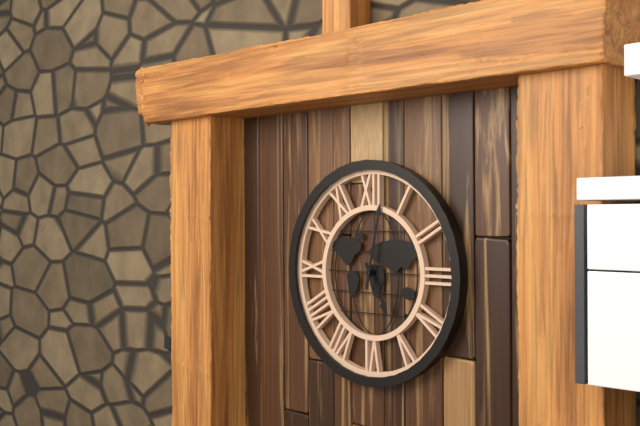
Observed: h=5 m=2
